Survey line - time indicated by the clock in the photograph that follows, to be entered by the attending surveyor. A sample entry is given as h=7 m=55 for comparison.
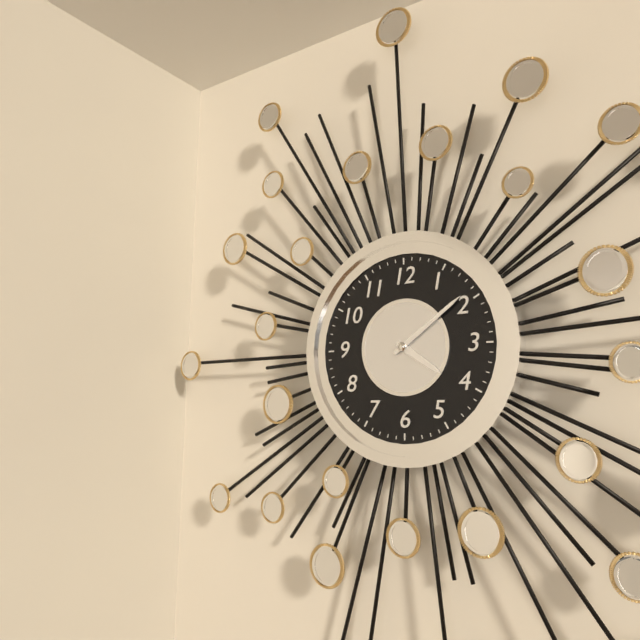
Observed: h=4 m=9
